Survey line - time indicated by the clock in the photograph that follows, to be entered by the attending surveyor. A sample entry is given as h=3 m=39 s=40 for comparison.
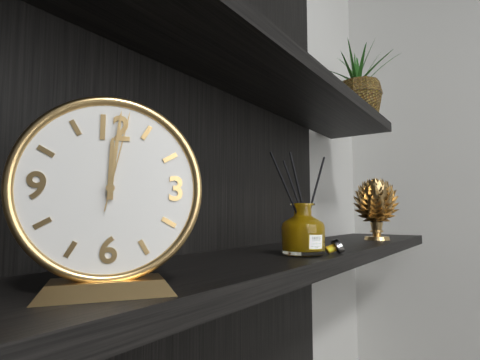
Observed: h=12 m=1 s=2
